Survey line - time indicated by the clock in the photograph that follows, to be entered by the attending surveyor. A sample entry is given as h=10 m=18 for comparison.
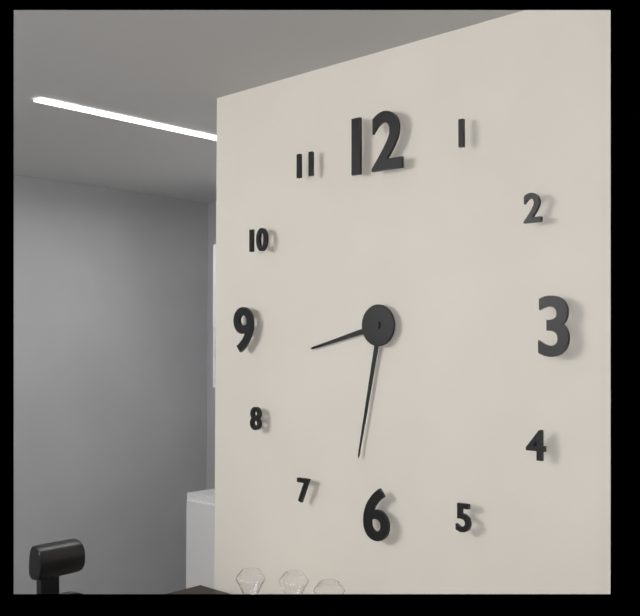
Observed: h=8 m=32
